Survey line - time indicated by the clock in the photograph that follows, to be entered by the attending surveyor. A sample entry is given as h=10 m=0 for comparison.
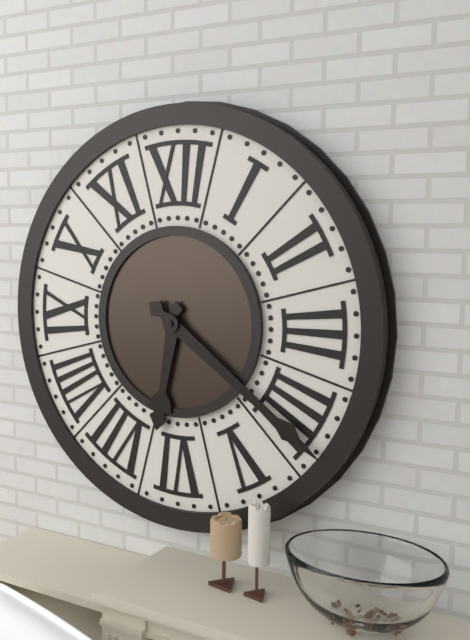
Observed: h=6 m=21
